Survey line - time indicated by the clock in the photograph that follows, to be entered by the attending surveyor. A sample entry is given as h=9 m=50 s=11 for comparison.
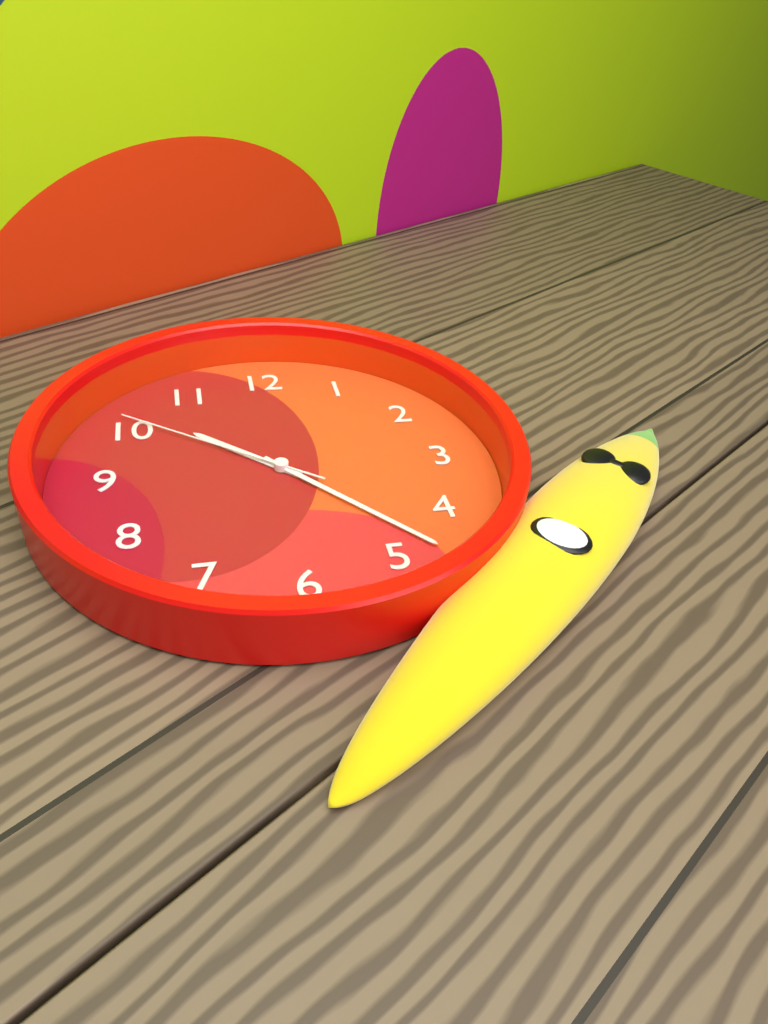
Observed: h=10 m=23 s=51
